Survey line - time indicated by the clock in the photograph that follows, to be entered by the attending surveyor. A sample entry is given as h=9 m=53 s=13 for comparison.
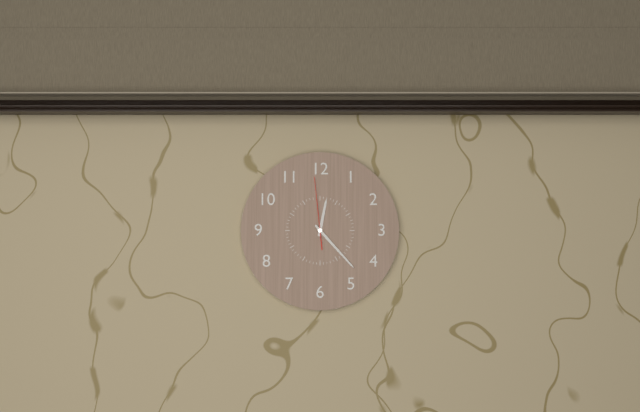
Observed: h=12 m=23 s=59
